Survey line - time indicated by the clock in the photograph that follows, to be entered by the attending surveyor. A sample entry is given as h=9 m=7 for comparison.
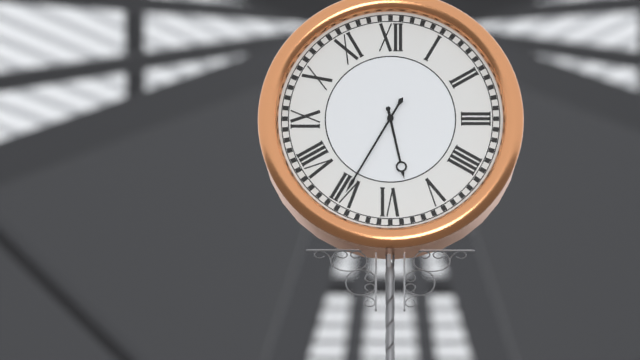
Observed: h=5 m=35
